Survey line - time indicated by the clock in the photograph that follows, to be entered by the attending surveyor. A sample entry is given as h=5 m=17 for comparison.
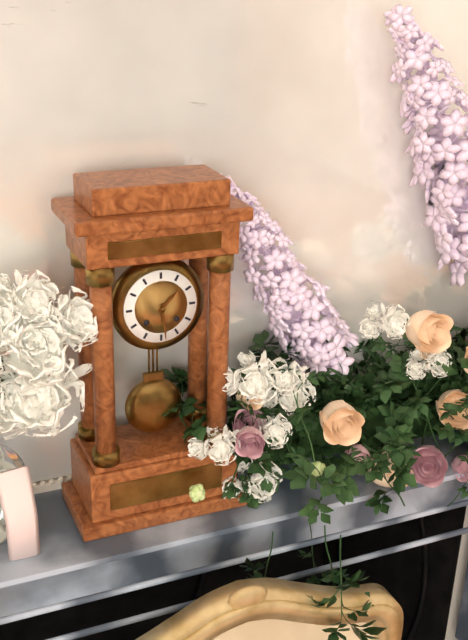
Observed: h=1 m=29
